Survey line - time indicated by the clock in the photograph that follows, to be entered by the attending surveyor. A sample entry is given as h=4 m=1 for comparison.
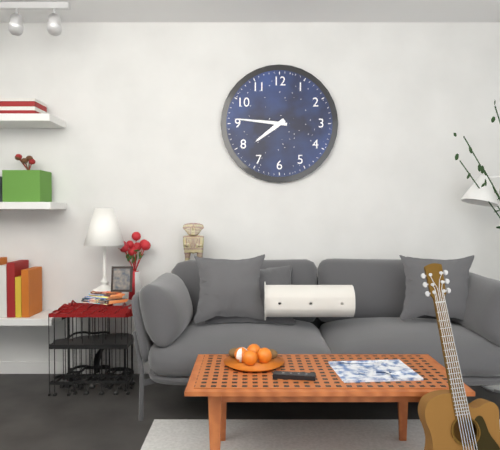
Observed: h=7 m=46
